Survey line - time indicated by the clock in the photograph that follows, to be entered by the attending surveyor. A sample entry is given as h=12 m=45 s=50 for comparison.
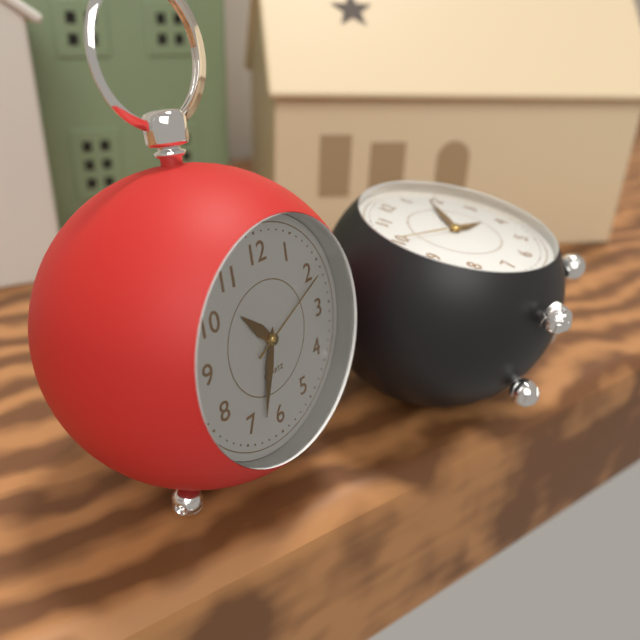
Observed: h=10 m=33 s=11
